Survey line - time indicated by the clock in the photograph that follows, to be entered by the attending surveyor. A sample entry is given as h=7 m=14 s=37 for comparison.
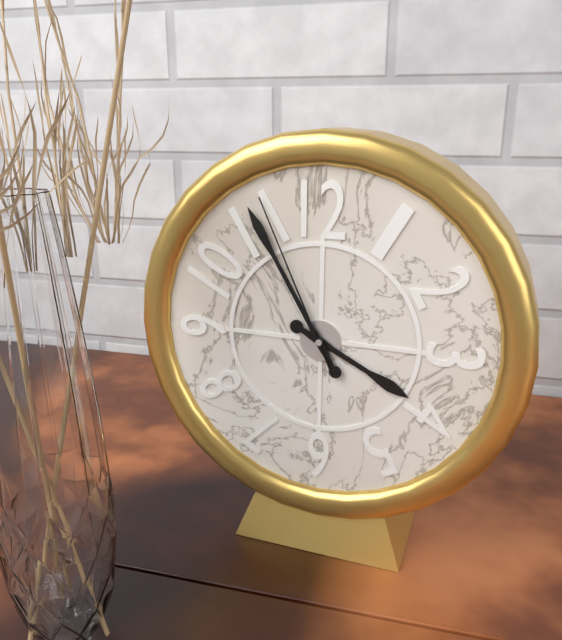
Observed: h=3 m=55 s=56
